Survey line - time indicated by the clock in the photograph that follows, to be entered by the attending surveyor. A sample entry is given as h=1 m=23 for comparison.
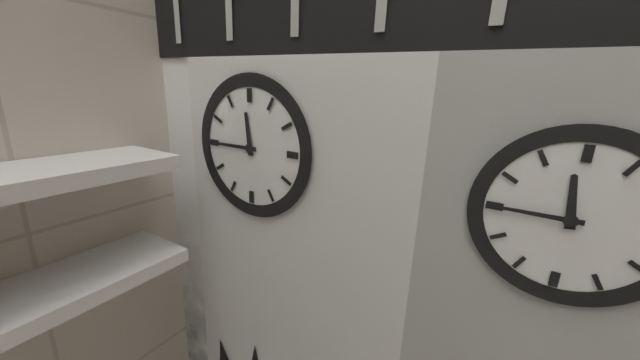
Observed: h=11 m=45
